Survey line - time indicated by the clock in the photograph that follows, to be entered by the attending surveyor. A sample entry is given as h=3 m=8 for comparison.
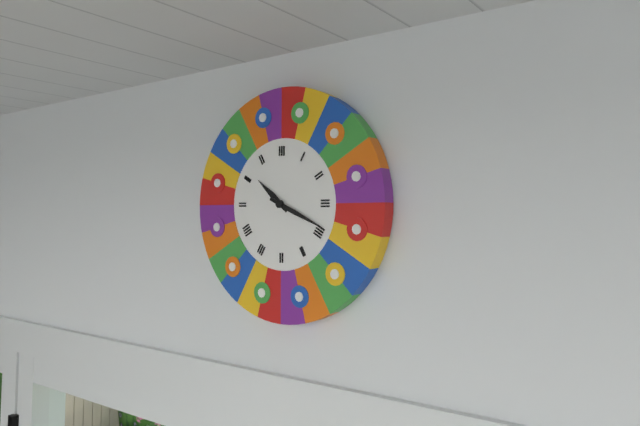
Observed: h=10 m=19
